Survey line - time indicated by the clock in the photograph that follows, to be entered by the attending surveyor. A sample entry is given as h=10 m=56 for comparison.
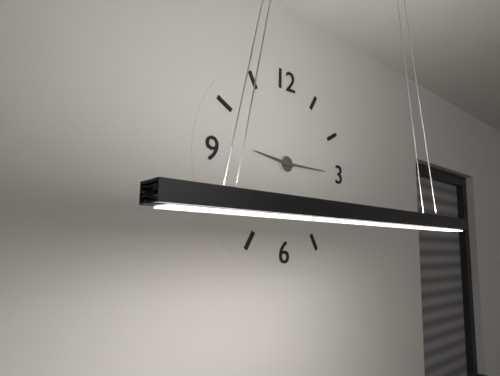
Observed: h=9 m=15
